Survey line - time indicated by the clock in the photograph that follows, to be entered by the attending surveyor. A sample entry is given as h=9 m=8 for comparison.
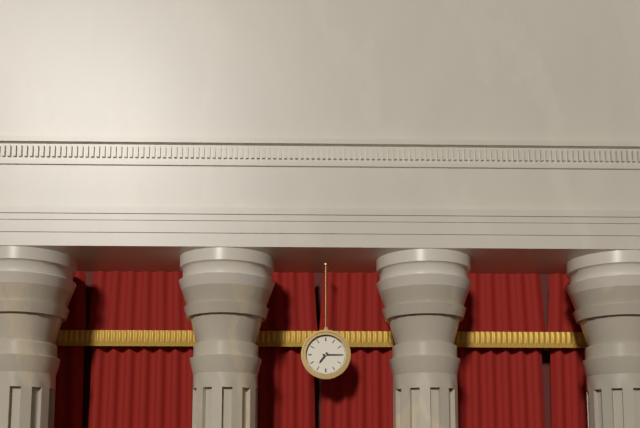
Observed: h=7 m=15
